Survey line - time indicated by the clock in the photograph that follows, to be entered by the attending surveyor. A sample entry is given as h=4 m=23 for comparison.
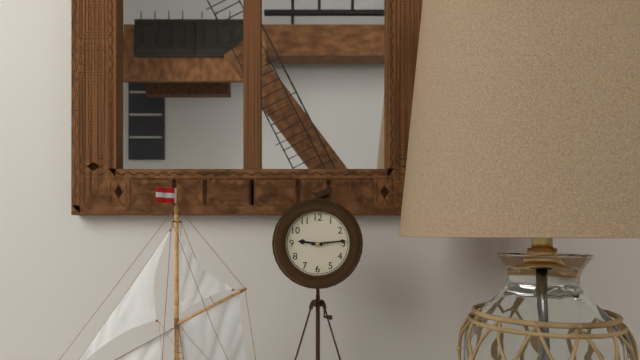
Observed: h=9 m=14
